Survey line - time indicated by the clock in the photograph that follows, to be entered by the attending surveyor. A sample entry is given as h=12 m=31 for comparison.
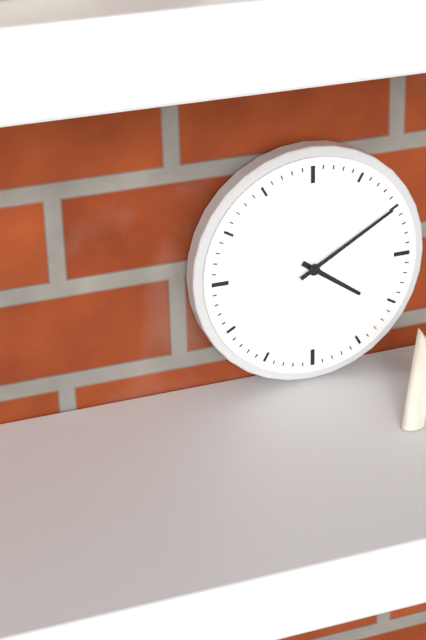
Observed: h=4 m=10
